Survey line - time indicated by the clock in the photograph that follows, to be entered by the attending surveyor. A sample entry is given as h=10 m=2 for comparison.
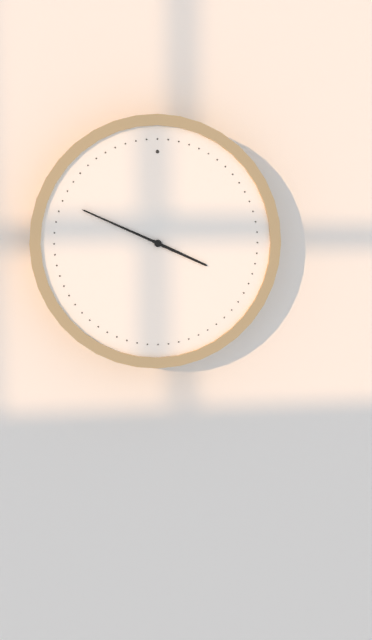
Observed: h=3 m=49
